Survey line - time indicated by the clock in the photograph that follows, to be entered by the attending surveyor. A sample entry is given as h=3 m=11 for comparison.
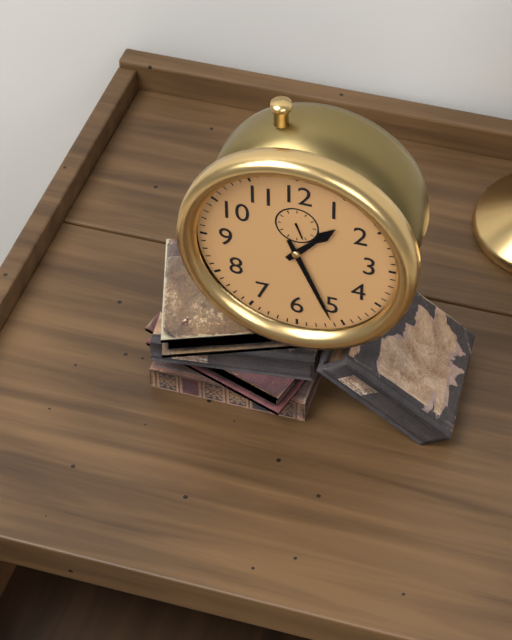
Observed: h=1 m=26
